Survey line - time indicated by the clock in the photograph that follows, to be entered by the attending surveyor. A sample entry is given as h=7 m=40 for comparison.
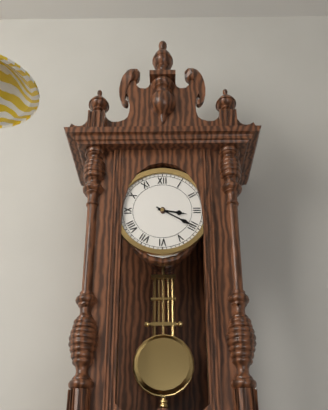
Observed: h=3 m=20
